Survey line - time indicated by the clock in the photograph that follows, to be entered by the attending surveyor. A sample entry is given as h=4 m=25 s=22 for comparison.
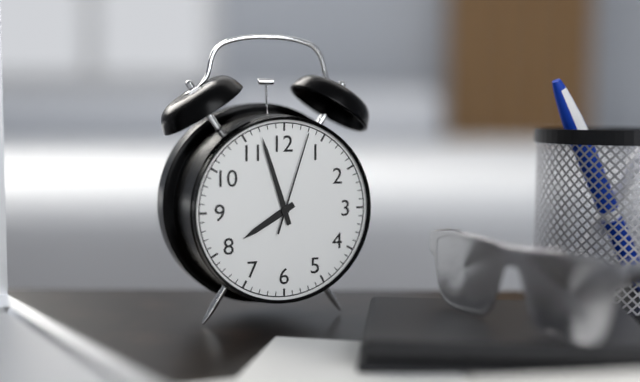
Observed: h=7 m=57 s=3
